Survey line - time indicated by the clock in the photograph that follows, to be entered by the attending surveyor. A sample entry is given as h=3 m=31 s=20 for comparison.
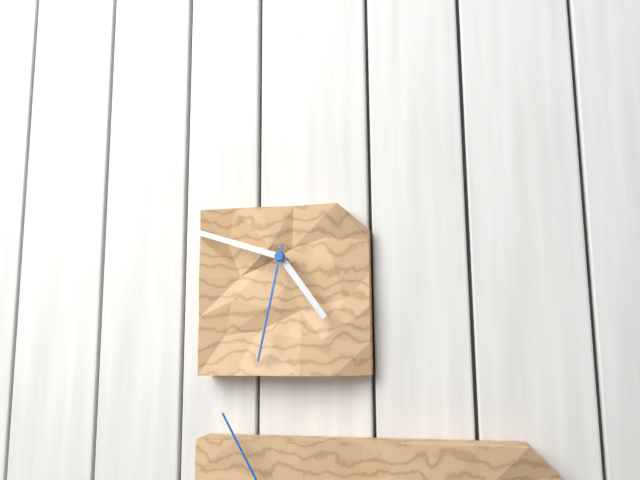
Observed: h=4 m=48 s=32
